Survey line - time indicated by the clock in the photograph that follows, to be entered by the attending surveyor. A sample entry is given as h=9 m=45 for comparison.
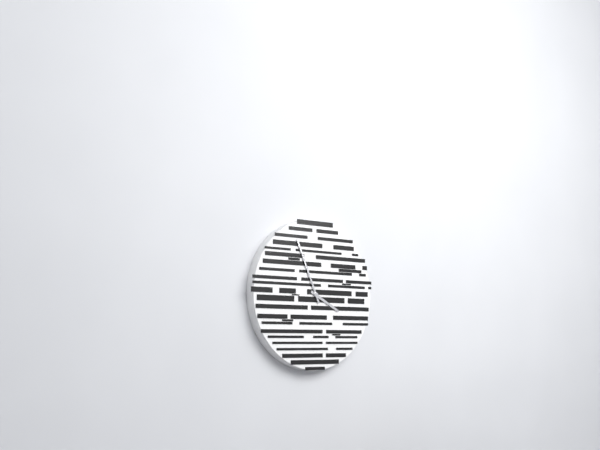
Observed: h=3 m=56
